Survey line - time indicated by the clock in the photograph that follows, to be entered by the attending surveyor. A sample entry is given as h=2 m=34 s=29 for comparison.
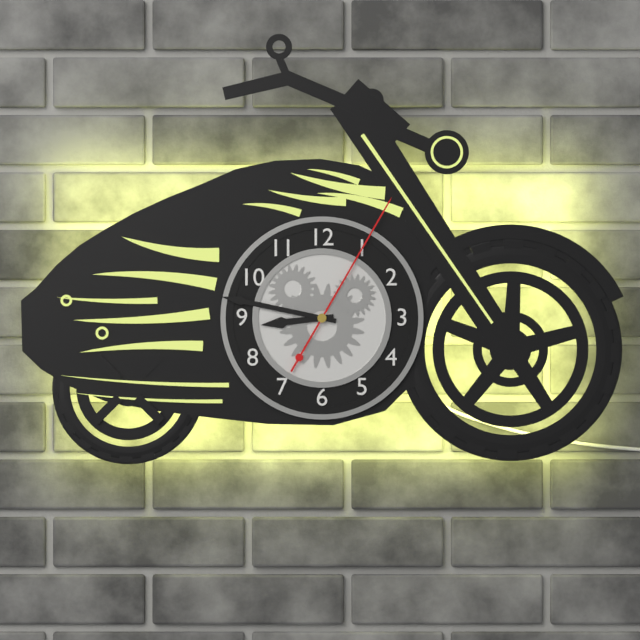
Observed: h=8 m=47 s=5
